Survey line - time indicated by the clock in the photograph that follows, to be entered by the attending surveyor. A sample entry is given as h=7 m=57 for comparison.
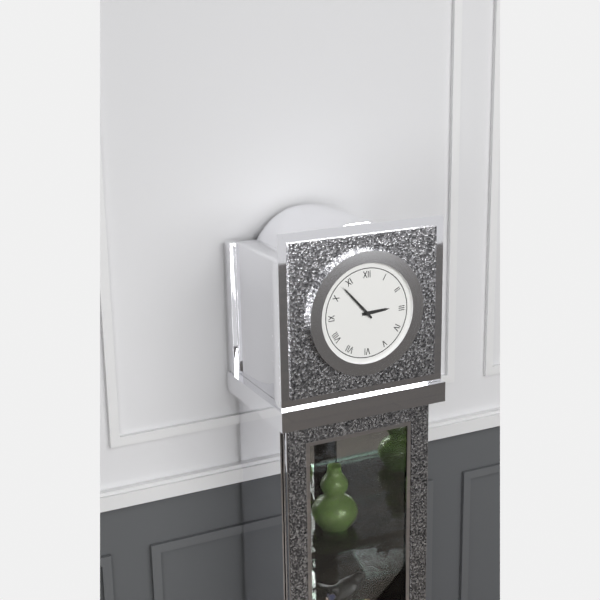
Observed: h=2 m=53
